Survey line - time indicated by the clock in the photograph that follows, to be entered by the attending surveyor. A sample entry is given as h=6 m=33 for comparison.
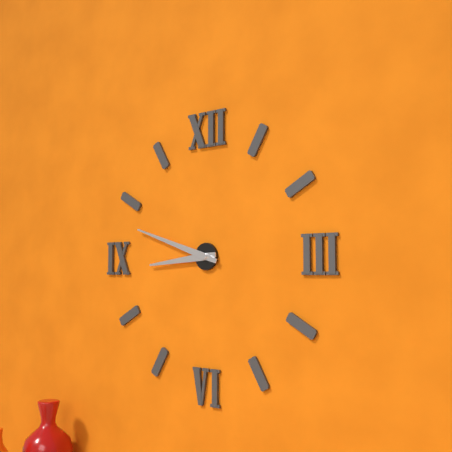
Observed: h=8 m=48
